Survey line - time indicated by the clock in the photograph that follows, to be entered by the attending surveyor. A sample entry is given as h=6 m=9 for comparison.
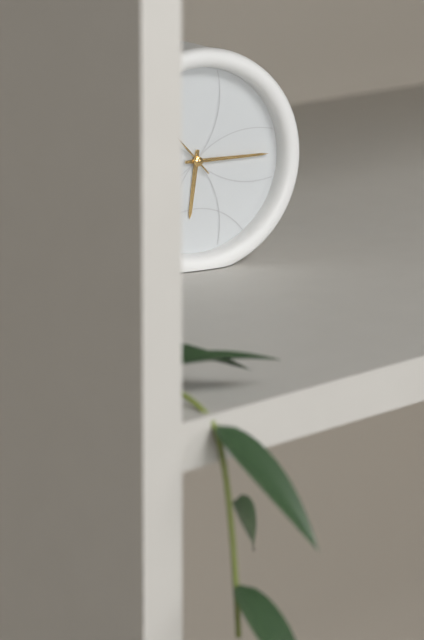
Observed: h=6 m=15
